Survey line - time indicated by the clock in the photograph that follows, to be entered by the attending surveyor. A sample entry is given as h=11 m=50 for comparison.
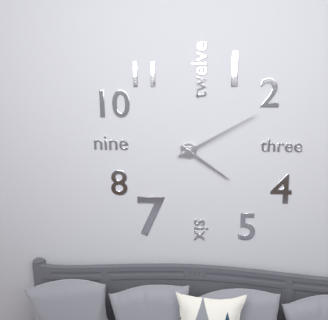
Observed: h=4 m=10
